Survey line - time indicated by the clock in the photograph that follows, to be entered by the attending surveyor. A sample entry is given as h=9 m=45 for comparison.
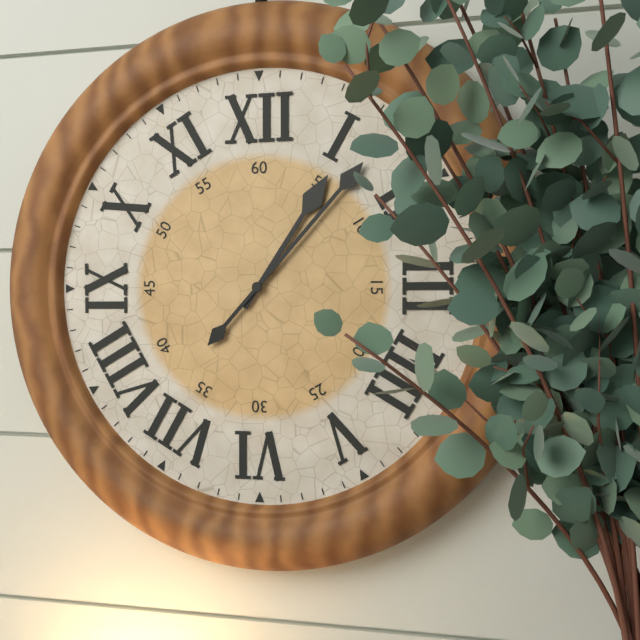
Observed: h=1 m=7
